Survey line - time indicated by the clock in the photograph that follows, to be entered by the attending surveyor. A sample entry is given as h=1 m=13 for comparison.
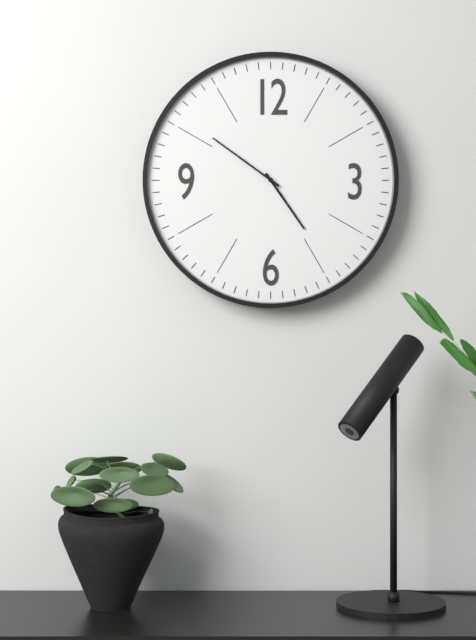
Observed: h=4 m=51
